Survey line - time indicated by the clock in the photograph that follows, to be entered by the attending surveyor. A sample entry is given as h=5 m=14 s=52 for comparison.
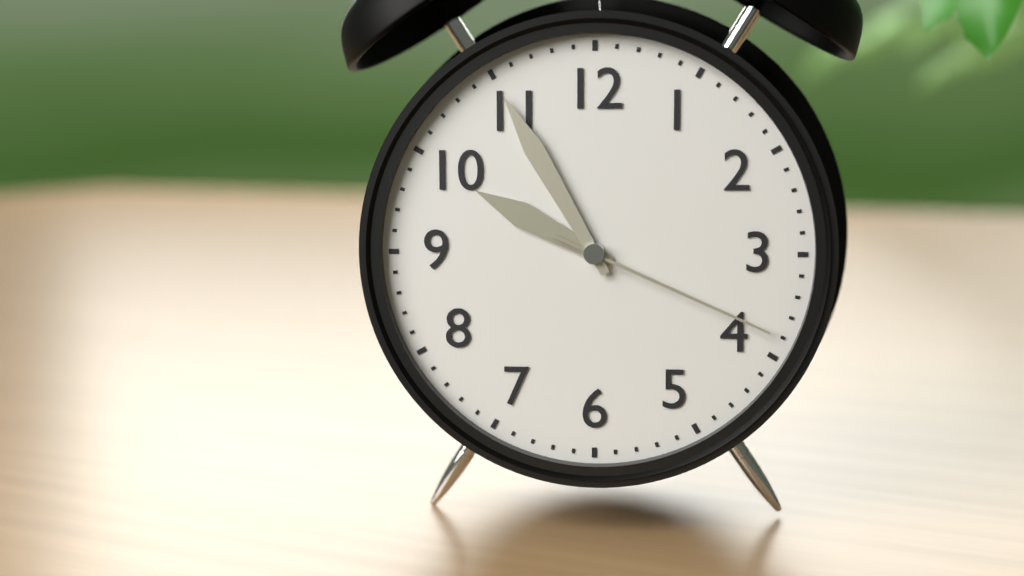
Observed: h=9 m=55 s=19
